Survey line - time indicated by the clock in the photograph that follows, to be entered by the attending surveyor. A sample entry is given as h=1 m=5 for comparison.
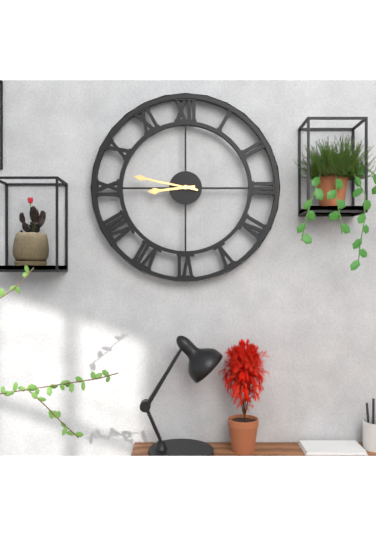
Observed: h=8 m=47
